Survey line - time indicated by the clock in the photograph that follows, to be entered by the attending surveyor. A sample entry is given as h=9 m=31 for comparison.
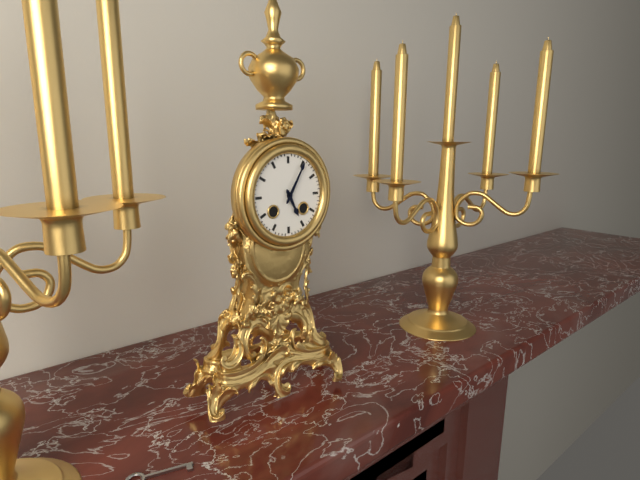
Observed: h=5 m=5
